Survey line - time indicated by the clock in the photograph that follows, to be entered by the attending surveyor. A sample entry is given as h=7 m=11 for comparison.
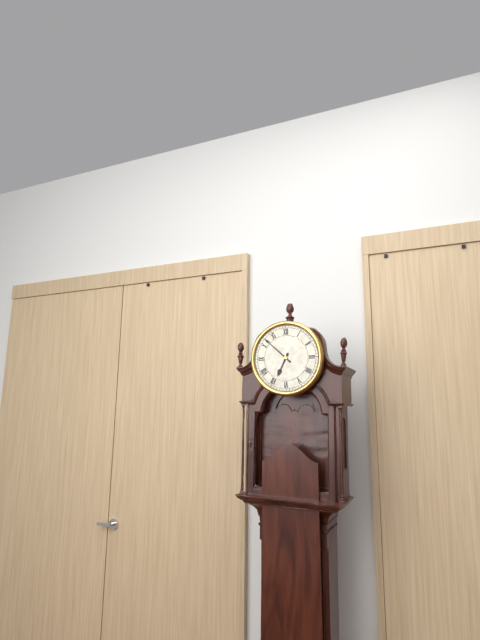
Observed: h=6 m=52
